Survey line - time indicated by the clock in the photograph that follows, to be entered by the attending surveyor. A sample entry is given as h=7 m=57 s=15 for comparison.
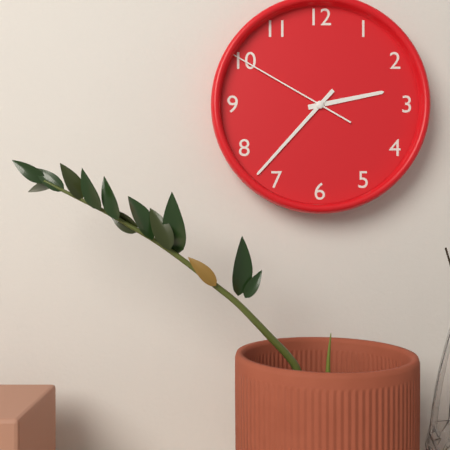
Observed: h=2 m=37 s=50
